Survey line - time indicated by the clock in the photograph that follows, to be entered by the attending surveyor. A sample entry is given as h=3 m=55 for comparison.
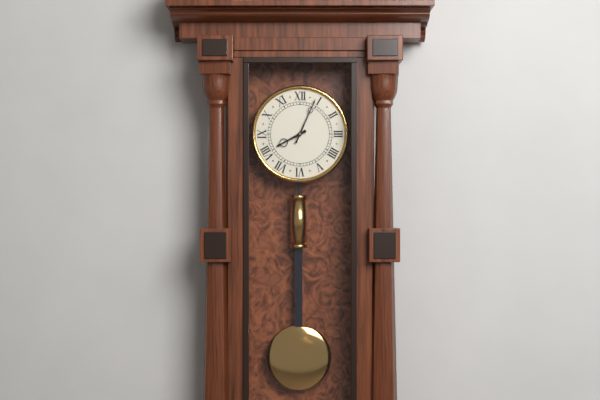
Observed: h=8 m=4
